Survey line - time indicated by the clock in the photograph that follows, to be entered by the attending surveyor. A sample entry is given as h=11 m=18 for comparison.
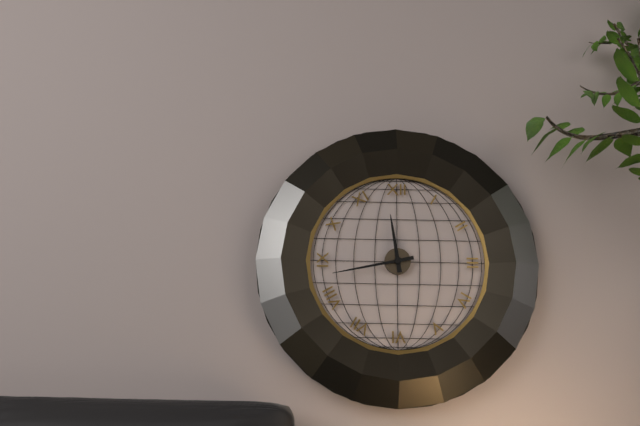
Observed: h=11 m=43
